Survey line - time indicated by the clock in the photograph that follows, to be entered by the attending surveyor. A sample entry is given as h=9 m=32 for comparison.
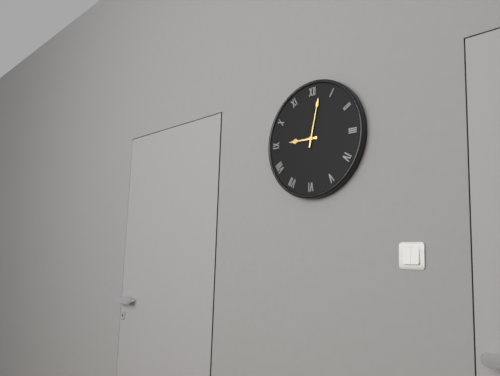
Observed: h=9 m=2
